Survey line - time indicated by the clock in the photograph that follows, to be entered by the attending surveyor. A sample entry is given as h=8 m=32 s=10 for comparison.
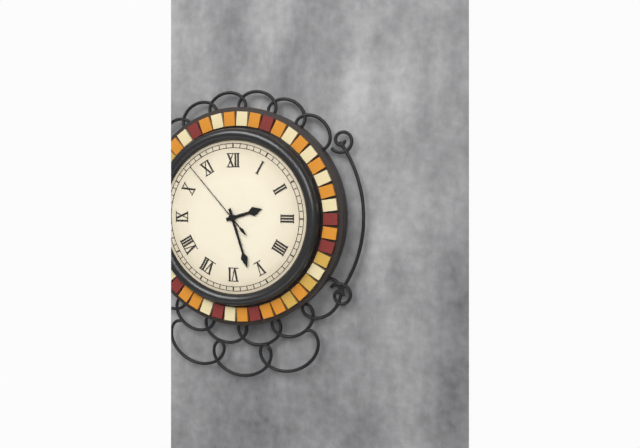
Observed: h=2 m=27 s=53
